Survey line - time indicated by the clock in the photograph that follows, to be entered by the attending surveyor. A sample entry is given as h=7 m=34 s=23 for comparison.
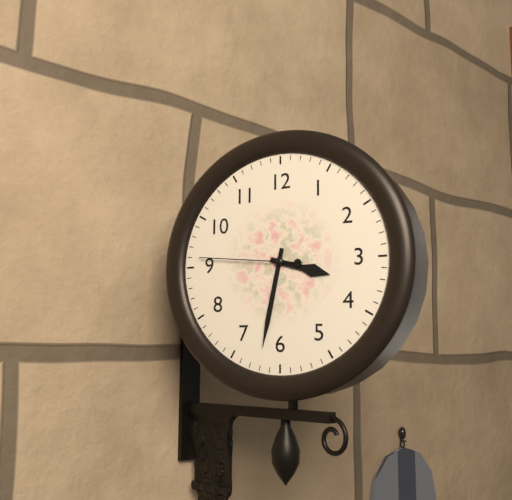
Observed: h=3 m=32 s=46
